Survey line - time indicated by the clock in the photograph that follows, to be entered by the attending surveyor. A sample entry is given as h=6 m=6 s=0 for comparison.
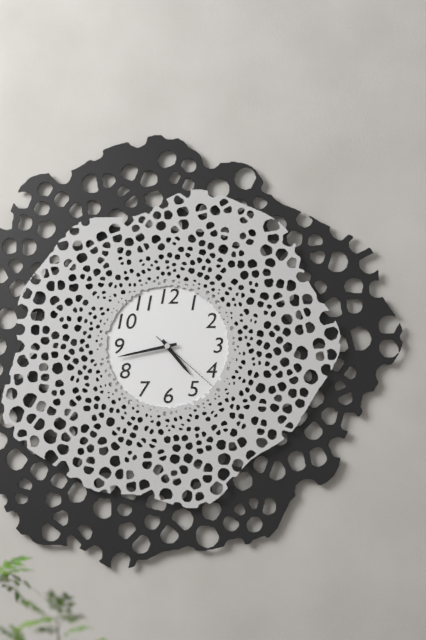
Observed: h=4 m=43 s=22
